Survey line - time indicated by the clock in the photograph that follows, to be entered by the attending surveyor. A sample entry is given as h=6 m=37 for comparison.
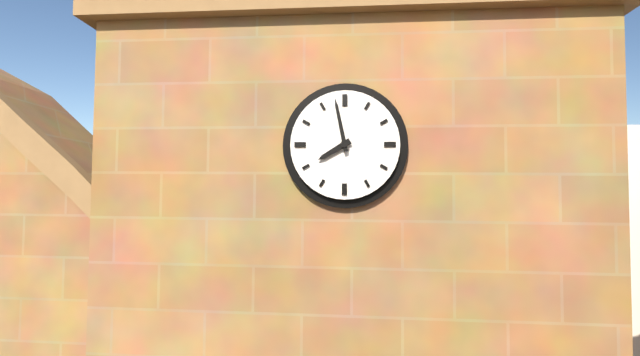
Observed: h=7 m=58
